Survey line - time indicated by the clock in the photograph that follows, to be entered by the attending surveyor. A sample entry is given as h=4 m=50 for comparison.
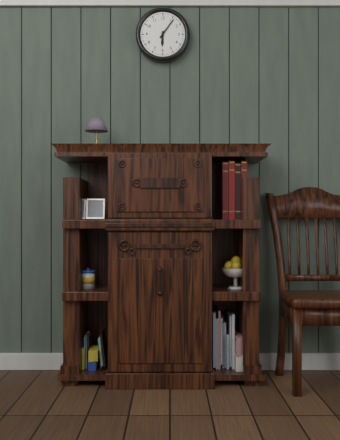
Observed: h=6 m=6
